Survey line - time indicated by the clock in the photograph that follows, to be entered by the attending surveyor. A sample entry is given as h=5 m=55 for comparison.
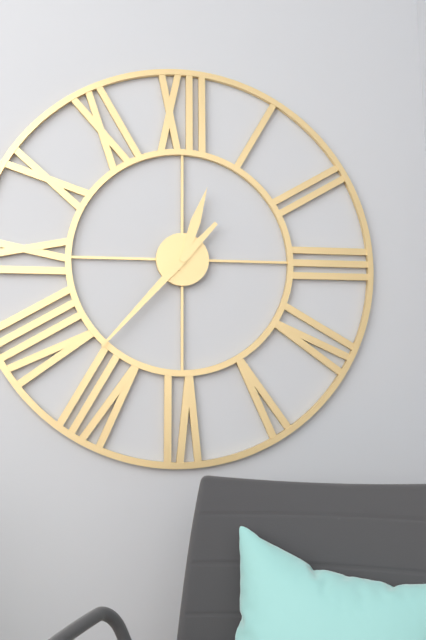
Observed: h=12 m=37
